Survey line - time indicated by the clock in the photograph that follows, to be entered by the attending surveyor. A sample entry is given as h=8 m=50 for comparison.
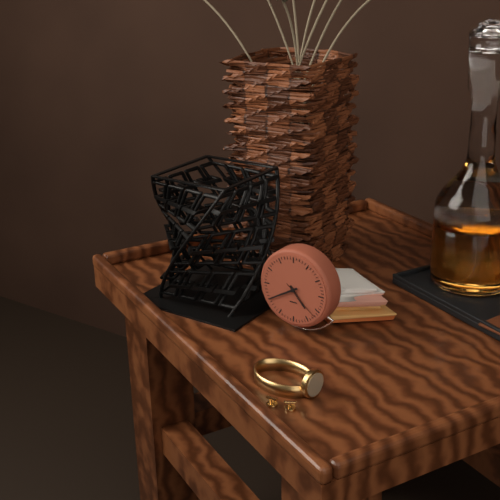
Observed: h=4 m=40
